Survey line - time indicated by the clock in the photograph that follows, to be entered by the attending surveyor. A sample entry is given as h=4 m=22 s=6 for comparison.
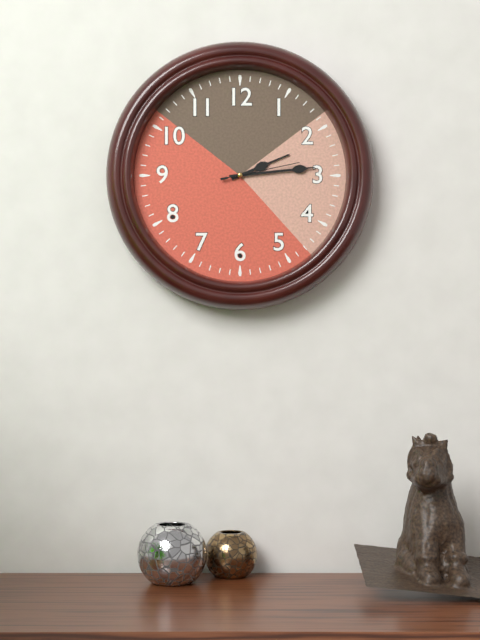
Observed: h=2 m=14 s=13
